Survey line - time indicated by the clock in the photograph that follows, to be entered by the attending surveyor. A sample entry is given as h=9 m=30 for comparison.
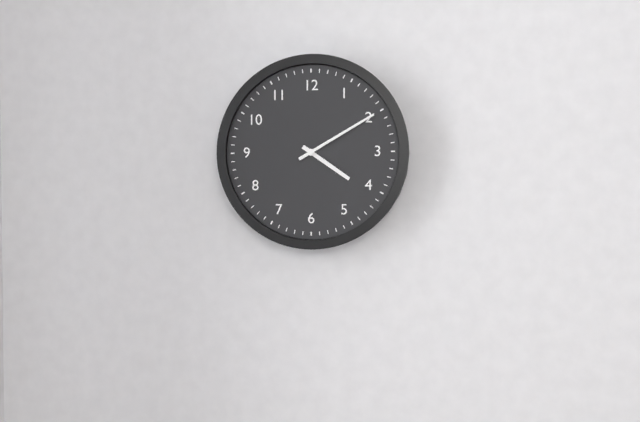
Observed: h=4 m=10
